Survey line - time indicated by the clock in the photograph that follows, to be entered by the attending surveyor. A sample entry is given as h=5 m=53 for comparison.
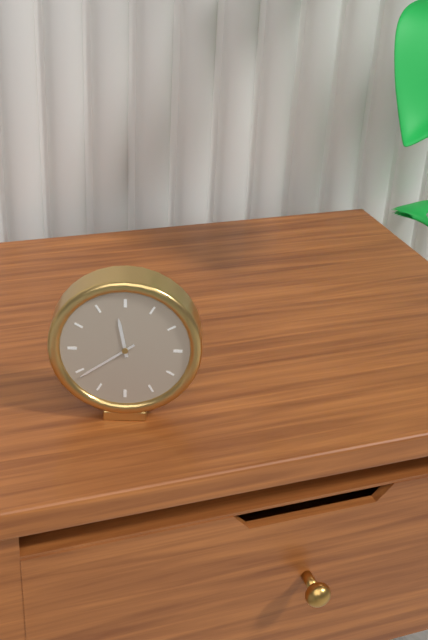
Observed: h=11 m=39
